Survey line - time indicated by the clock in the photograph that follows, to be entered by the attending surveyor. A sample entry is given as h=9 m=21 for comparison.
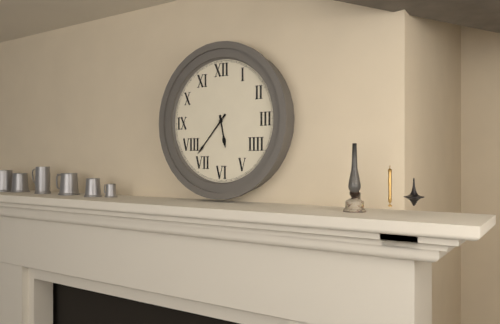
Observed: h=5 m=37
